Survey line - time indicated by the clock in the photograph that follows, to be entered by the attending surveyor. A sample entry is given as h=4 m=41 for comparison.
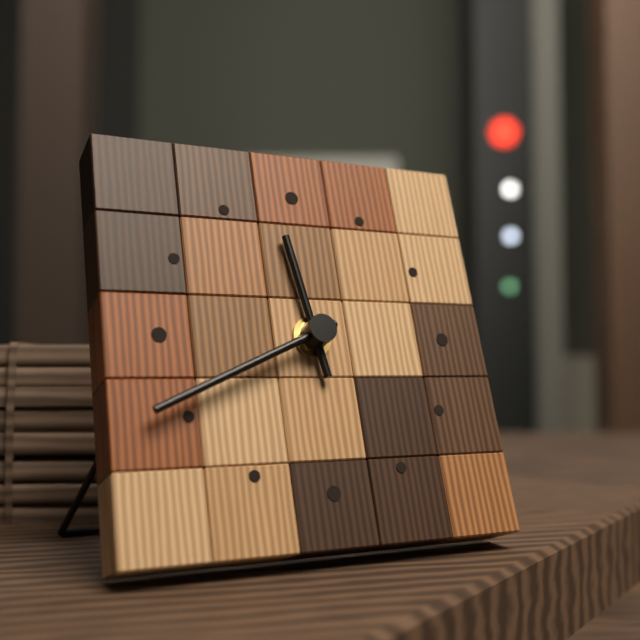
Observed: h=11 m=41
